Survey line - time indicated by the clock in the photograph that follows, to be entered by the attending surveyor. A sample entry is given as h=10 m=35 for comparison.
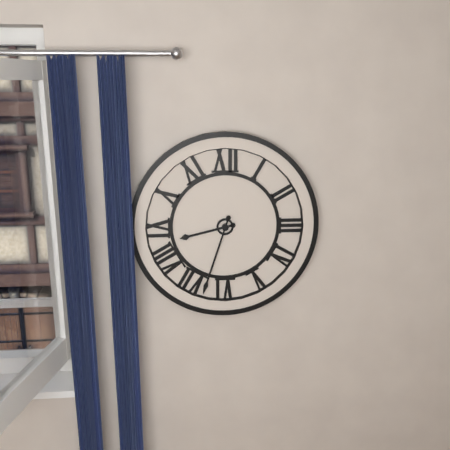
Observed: h=8 m=33
